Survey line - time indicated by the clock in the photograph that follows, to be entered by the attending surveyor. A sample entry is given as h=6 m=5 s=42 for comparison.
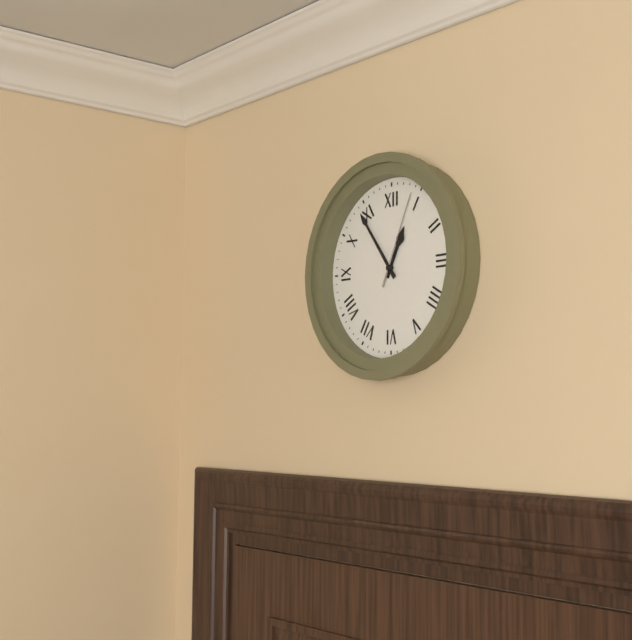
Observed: h=12 m=54 s=4
